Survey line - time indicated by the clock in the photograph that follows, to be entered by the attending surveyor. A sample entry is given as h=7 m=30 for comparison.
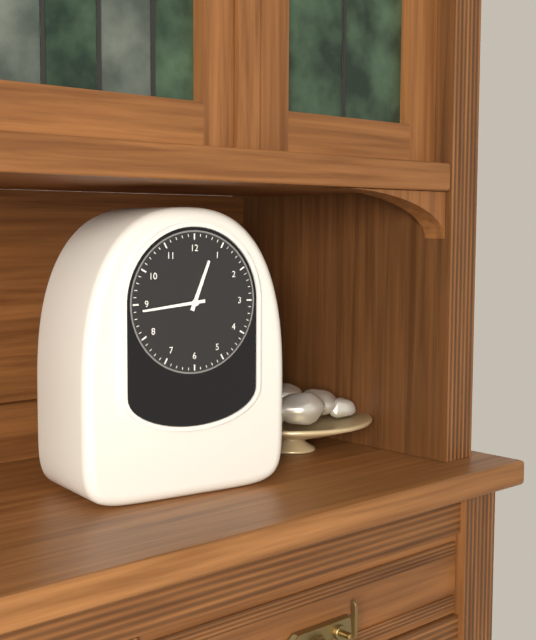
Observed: h=12 m=44
